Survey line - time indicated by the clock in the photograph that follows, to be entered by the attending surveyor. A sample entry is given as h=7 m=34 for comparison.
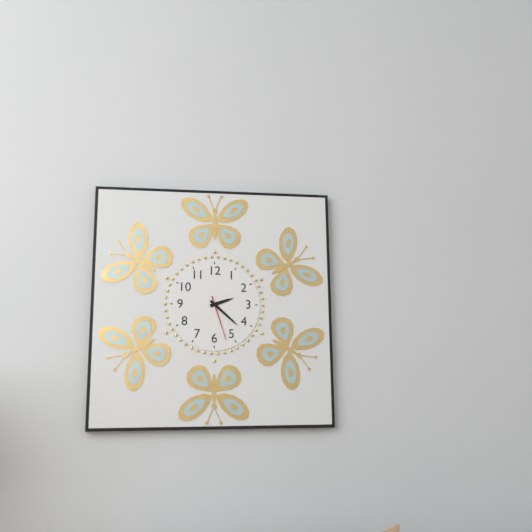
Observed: h=2 m=22
